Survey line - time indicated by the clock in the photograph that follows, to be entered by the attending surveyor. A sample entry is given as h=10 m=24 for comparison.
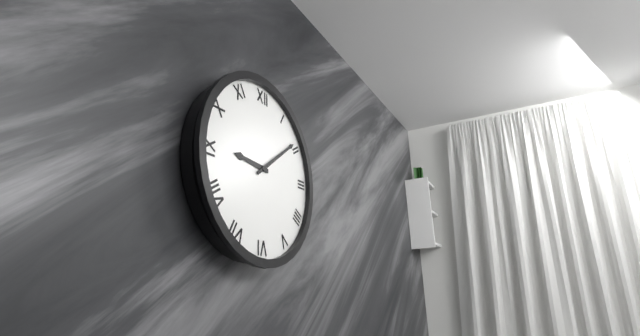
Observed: h=9 m=9
